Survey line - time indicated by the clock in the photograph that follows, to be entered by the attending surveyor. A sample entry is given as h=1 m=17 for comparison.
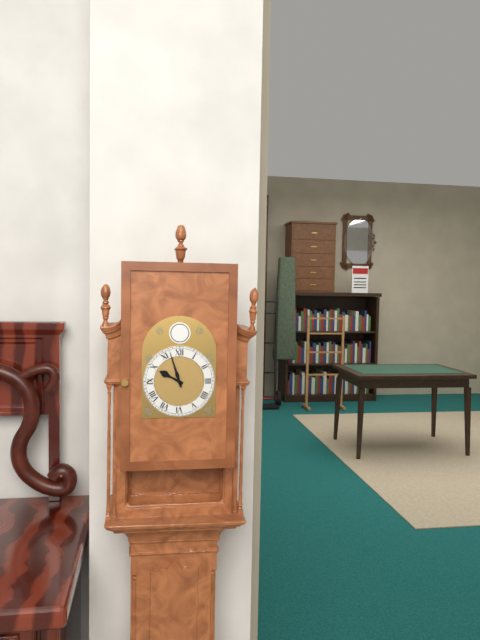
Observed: h=9 m=57
